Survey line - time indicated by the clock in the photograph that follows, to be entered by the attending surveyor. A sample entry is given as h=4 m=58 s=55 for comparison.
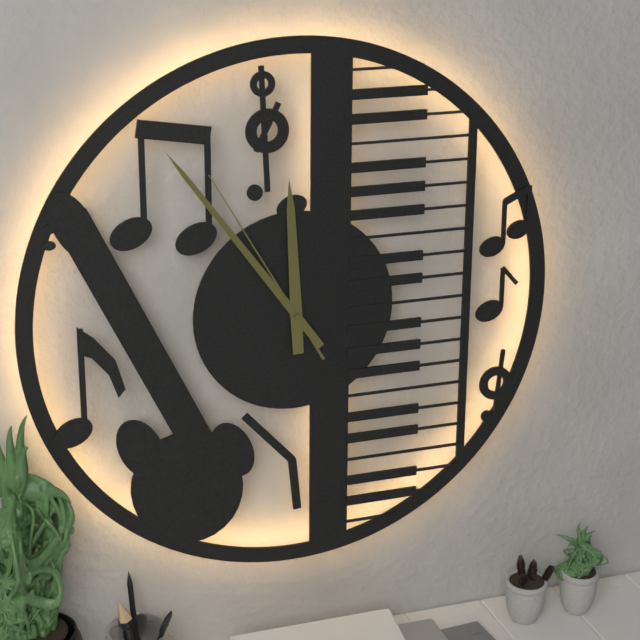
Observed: h=11 m=54 s=55
